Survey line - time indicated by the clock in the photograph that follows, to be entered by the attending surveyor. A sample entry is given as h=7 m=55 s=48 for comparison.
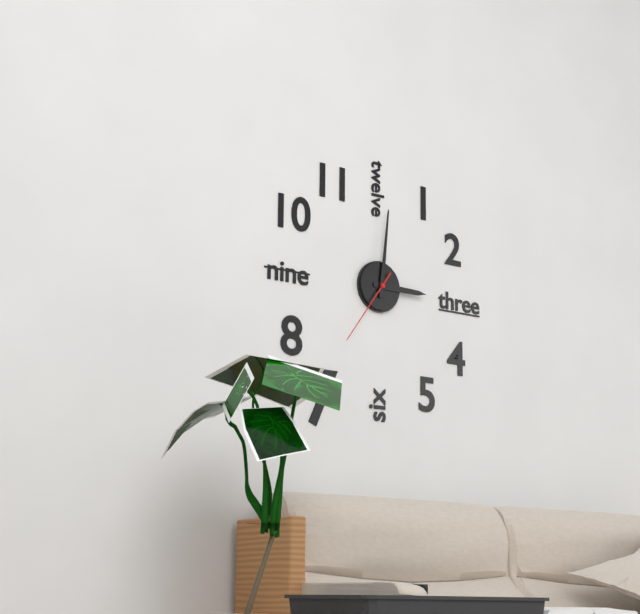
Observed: h=3 m=1 s=36
